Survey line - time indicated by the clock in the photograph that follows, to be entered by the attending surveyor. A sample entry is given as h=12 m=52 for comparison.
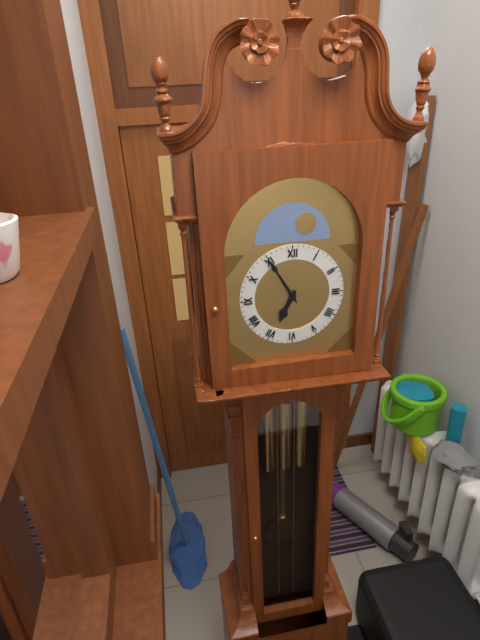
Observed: h=6 m=55
